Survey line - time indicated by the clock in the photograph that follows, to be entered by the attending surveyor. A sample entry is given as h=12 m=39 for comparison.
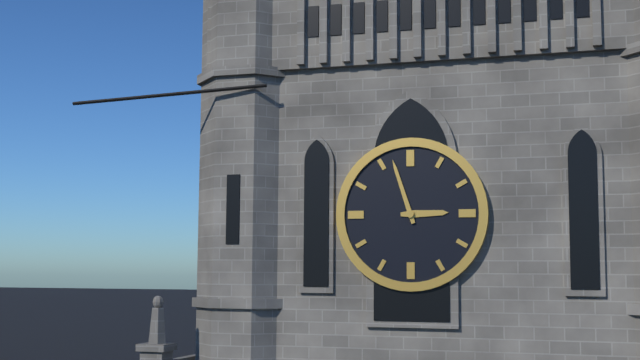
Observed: h=2 m=57
